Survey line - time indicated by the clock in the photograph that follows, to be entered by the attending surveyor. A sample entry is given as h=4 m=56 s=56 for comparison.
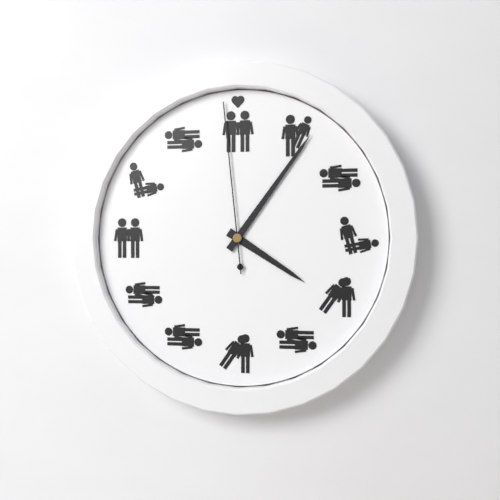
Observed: h=4 m=6 s=59
